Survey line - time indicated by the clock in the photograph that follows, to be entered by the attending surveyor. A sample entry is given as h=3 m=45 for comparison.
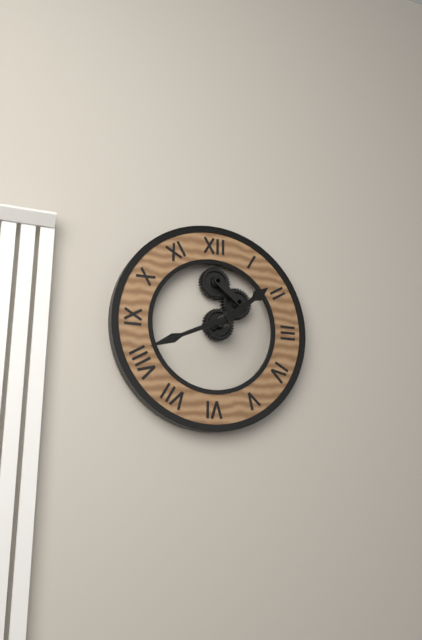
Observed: h=1 m=41
